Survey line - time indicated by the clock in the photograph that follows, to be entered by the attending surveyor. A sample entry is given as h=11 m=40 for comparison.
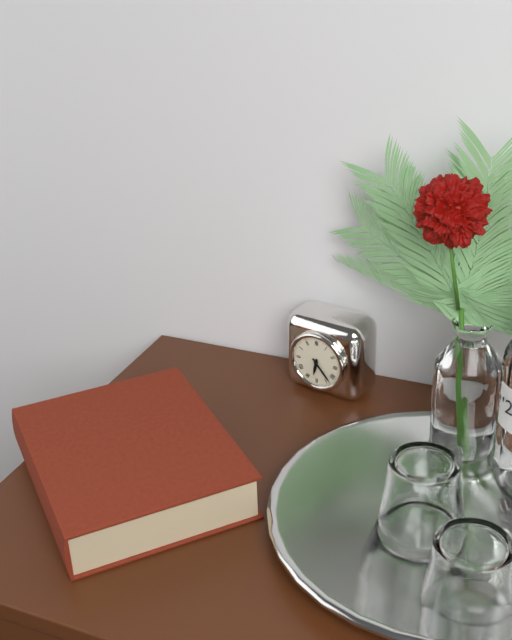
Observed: h=6 m=23
